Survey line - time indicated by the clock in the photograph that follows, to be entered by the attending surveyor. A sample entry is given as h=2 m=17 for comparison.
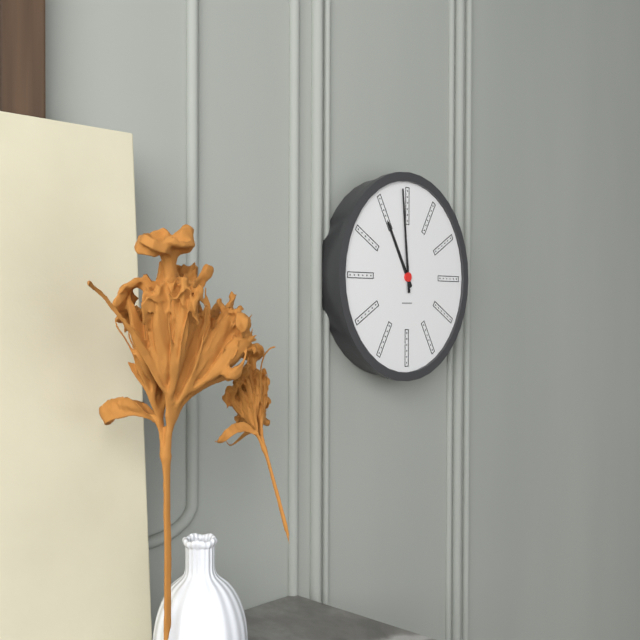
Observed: h=10 m=59
